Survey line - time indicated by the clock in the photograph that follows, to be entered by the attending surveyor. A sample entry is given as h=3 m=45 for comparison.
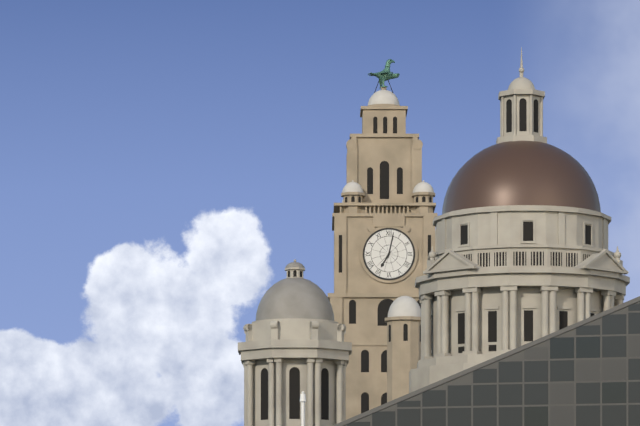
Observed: h=7 m=2
